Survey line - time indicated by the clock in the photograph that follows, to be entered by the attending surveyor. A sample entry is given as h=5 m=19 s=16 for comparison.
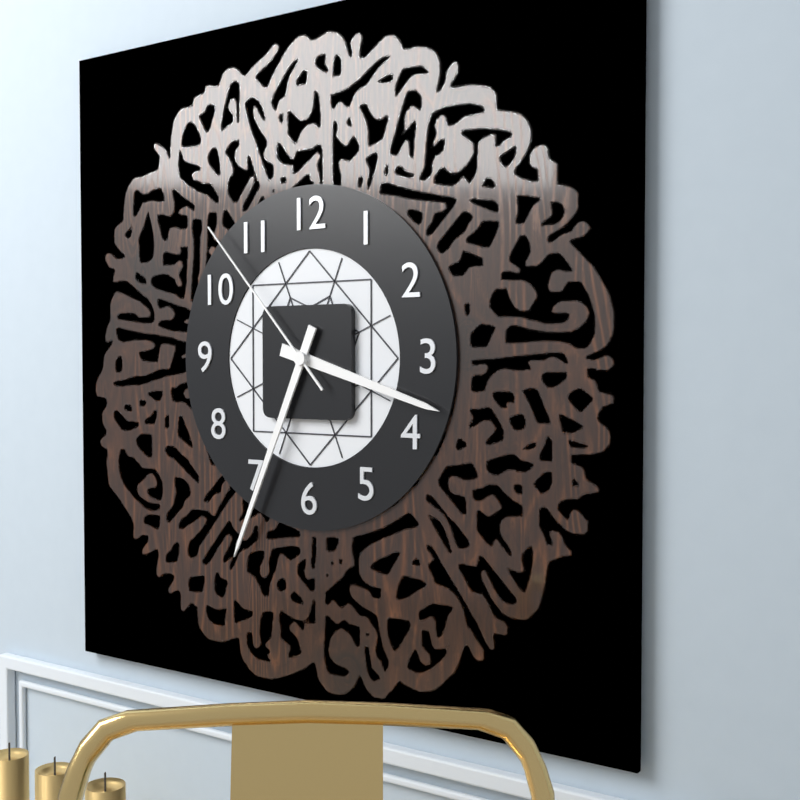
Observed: h=3 m=34 s=53
